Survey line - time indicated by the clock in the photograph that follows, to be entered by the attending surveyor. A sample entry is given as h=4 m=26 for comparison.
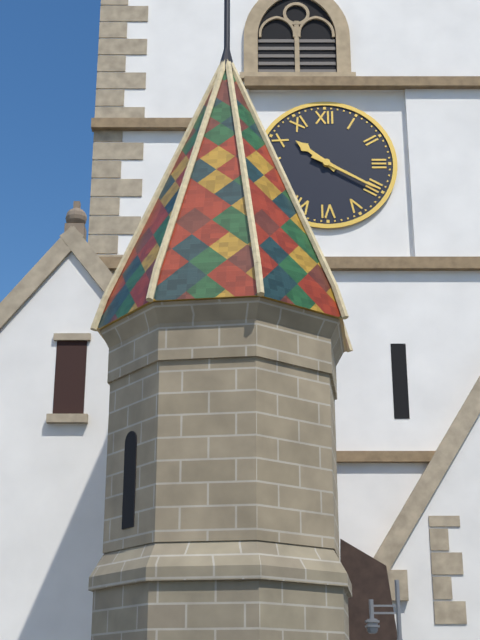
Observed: h=10 m=20
